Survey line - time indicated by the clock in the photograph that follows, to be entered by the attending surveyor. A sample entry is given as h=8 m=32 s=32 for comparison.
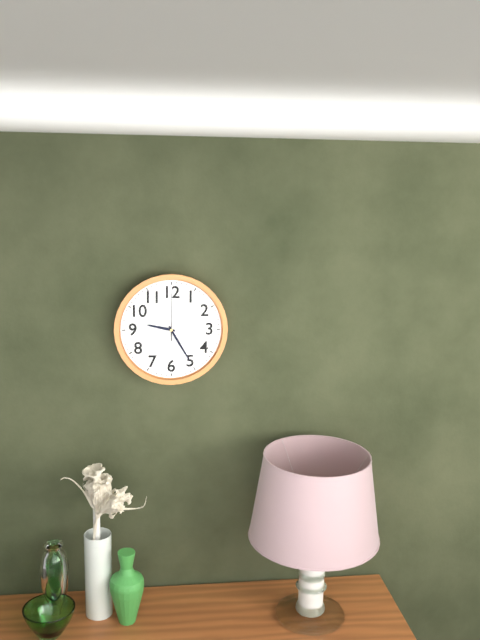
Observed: h=9 m=25 s=0
